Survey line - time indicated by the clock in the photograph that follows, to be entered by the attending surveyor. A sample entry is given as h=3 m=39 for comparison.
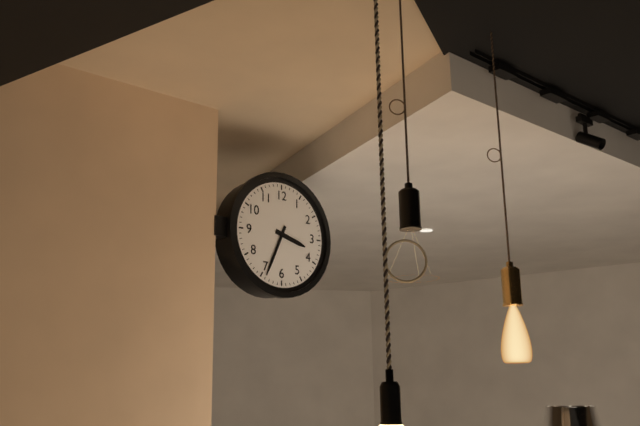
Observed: h=3 m=34
